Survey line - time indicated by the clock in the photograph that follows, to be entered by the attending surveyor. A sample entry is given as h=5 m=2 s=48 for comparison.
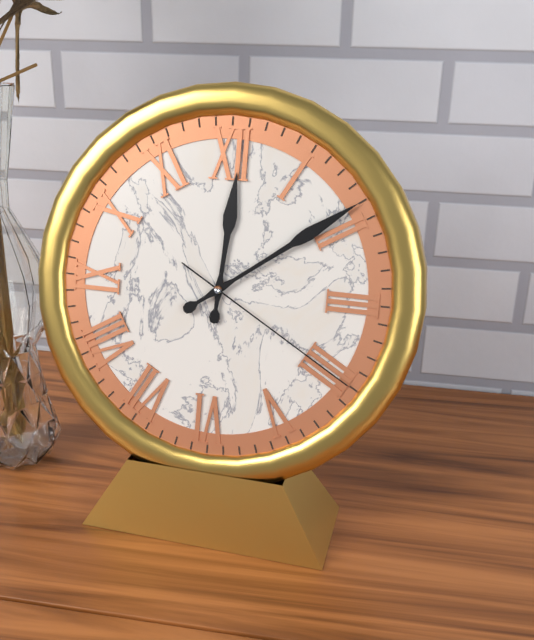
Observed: h=12 m=9 s=20
